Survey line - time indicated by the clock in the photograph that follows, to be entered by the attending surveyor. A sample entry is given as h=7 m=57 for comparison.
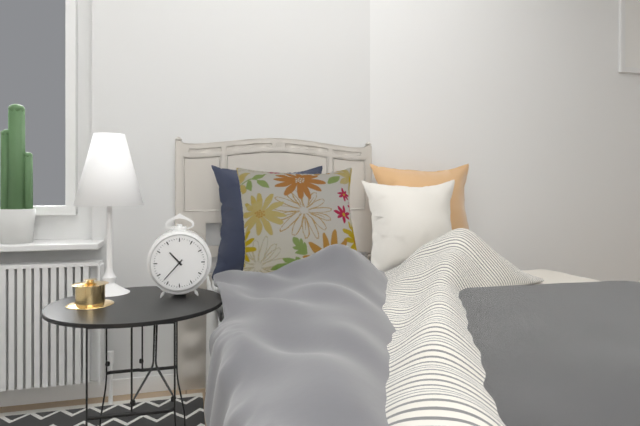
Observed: h=10 m=37
